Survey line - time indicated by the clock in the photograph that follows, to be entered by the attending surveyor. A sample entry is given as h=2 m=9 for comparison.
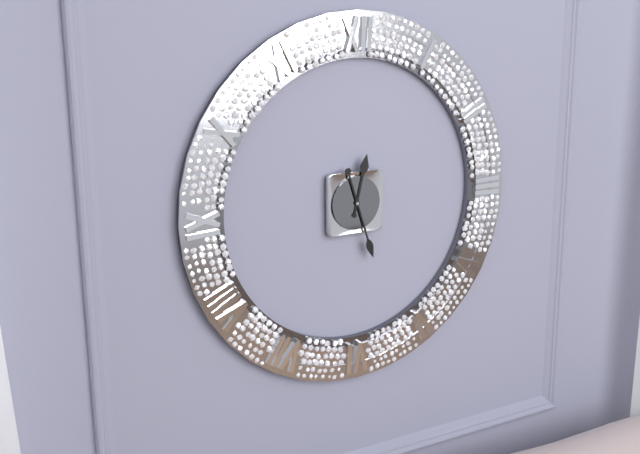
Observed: h=12 m=27
